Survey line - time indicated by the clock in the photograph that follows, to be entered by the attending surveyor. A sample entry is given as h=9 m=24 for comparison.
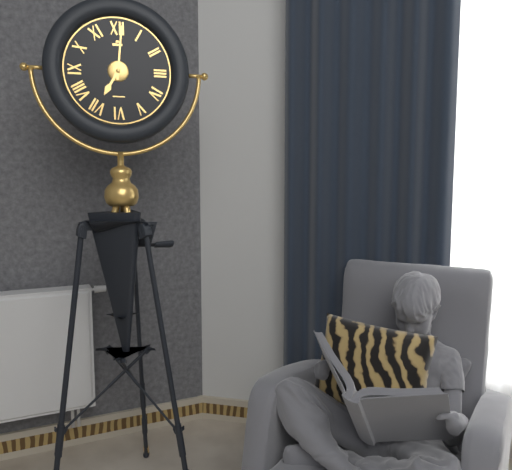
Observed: h=7 m=1
